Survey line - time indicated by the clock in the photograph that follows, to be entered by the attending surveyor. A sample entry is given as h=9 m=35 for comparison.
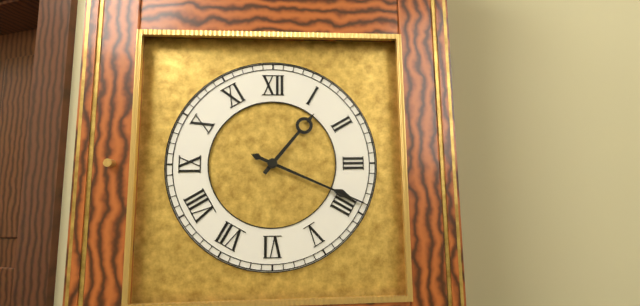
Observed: h=1 m=19
